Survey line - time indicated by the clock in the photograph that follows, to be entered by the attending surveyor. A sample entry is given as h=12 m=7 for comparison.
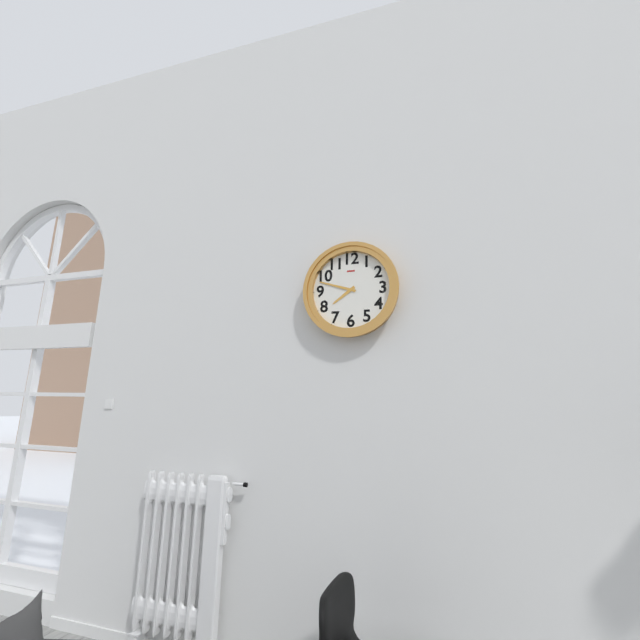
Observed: h=7 m=48
